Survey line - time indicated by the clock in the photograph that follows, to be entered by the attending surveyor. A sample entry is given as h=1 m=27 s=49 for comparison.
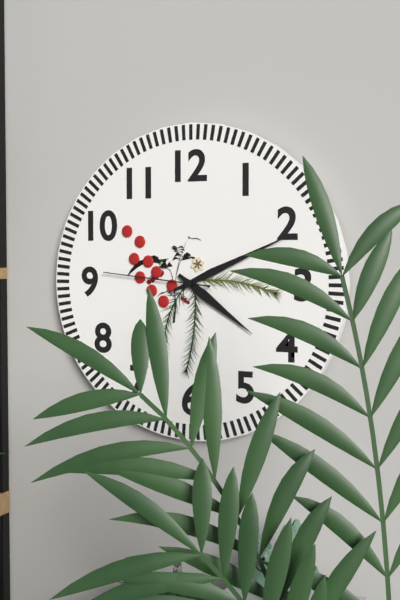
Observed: h=4 m=11 s=46
